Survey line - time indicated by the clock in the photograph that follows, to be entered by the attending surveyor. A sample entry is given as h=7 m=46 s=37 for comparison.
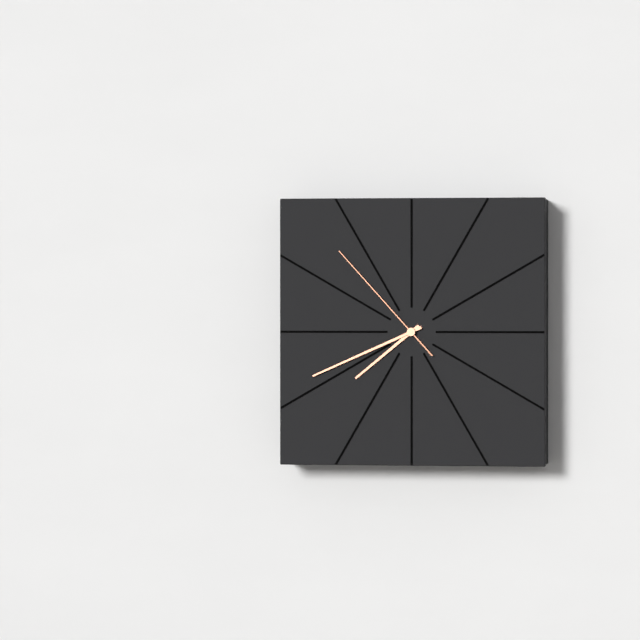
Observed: h=7 m=41 s=53
